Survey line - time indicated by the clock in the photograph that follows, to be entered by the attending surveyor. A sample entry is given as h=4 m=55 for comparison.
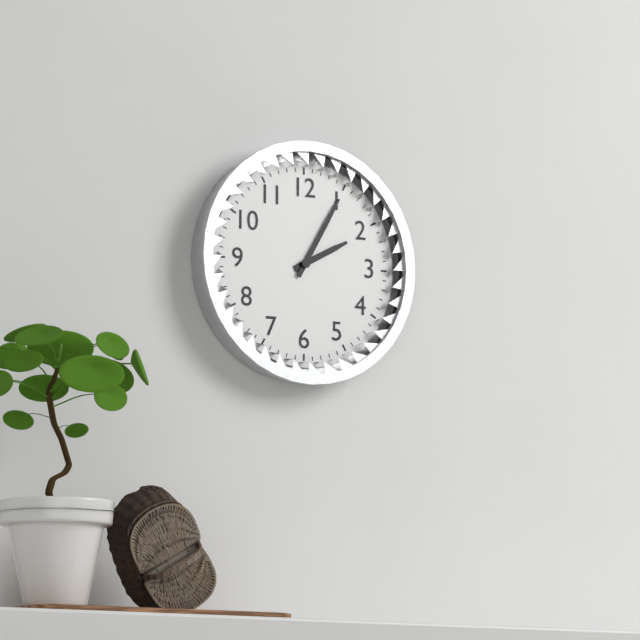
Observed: h=2 m=5
